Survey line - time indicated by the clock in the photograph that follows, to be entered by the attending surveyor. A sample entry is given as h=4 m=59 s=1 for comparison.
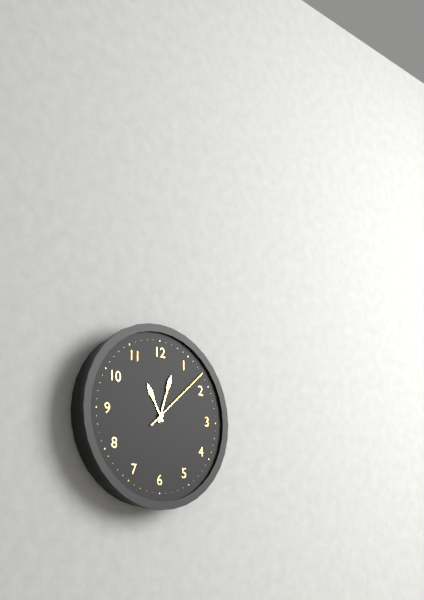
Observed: h=11 m=3 s=8
